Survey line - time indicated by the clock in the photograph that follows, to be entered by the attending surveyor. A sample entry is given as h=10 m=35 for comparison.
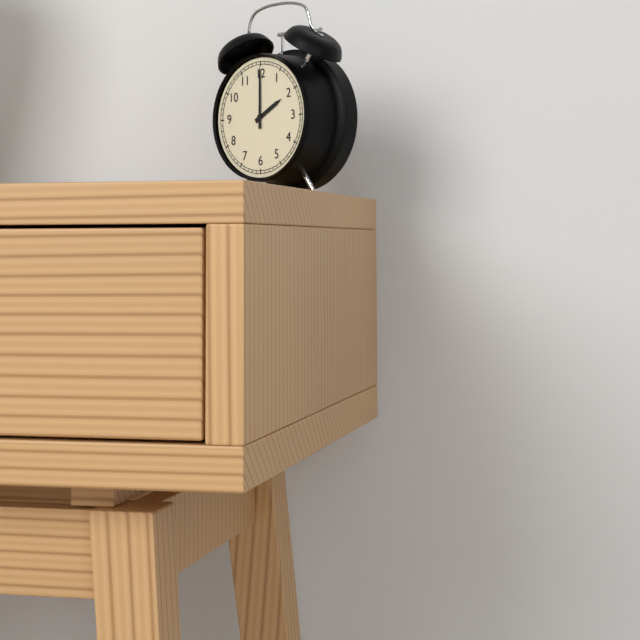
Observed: h=2 m=0
